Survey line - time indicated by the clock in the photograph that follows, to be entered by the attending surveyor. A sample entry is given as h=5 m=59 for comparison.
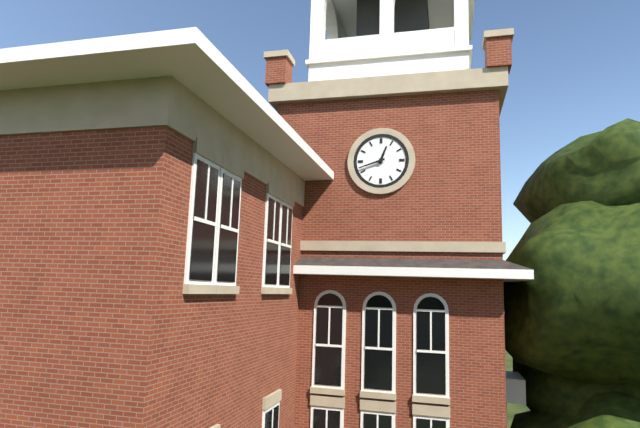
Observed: h=12 m=42
